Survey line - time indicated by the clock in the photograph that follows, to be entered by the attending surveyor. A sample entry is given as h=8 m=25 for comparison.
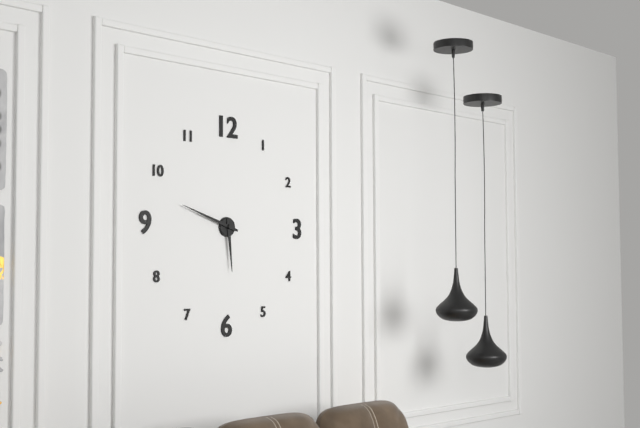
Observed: h=5 m=48
